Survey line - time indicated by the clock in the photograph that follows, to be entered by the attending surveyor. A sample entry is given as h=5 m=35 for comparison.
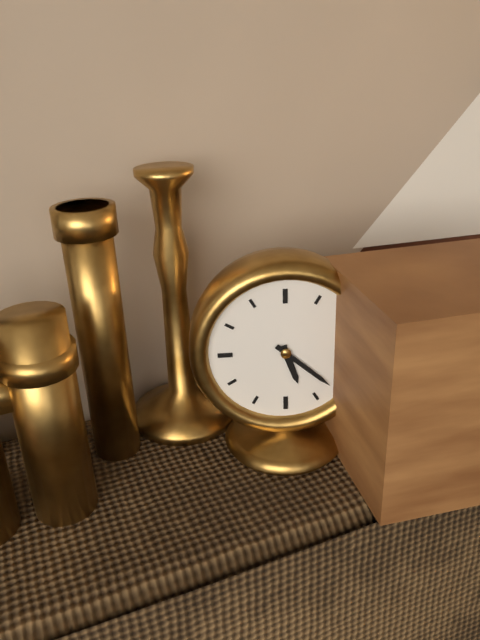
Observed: h=5 m=22
